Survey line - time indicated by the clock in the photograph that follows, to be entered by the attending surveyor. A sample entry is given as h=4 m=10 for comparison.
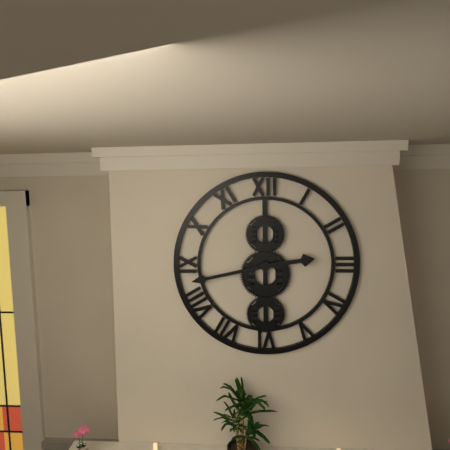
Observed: h=2 m=43
